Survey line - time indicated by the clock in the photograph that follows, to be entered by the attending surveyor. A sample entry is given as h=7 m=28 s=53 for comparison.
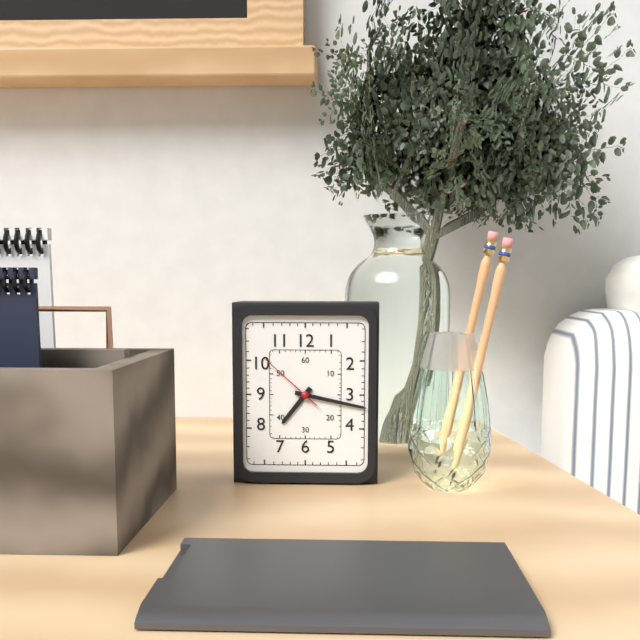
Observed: h=7 m=17 s=52
